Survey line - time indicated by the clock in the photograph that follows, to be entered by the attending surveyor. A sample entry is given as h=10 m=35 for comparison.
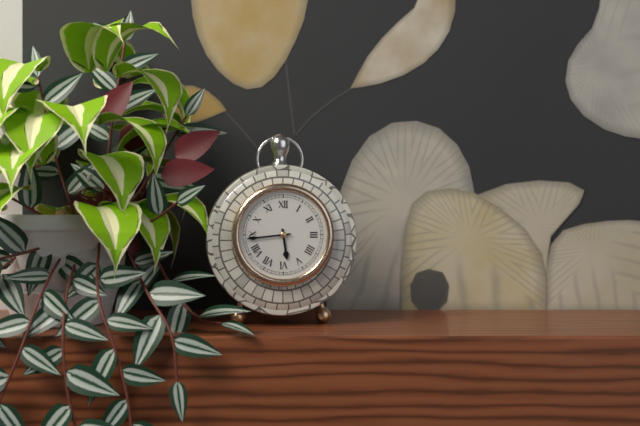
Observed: h=5 m=44
